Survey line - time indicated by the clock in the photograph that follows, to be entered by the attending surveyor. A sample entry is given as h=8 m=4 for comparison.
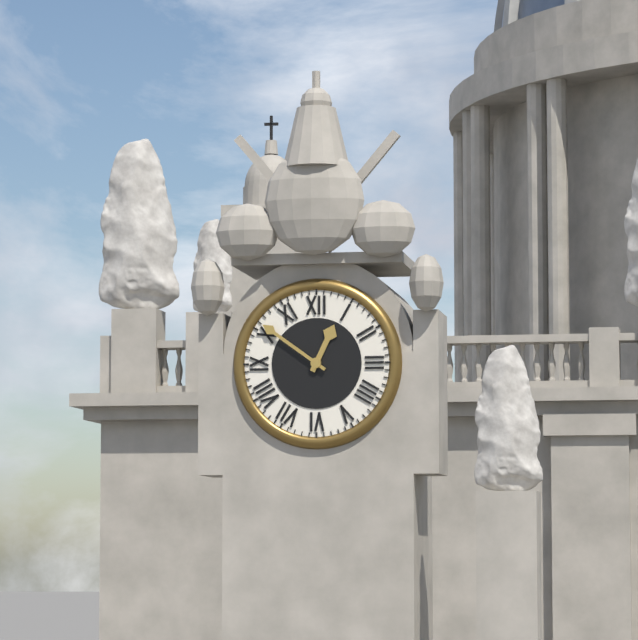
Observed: h=12 m=51
